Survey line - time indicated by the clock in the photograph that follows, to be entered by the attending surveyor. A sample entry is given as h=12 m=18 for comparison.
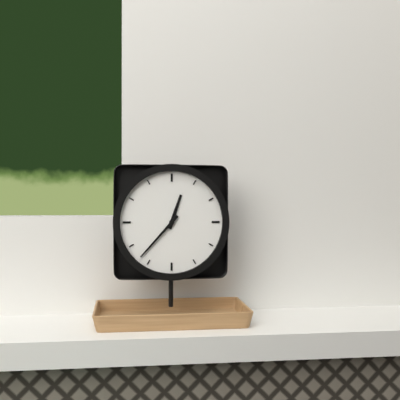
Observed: h=12 m=37
